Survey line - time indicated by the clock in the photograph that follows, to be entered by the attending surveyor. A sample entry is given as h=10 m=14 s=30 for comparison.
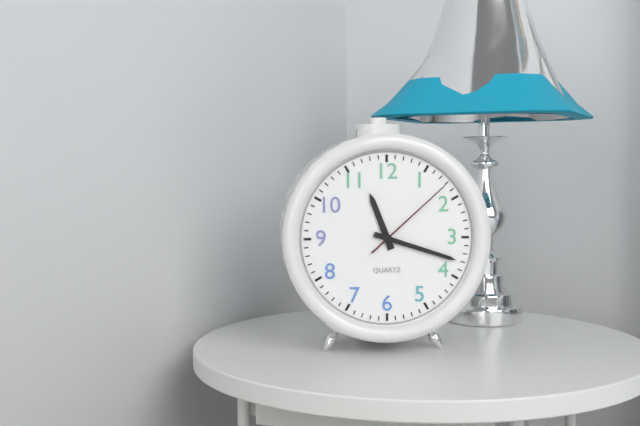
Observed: h=11 m=18 s=8
